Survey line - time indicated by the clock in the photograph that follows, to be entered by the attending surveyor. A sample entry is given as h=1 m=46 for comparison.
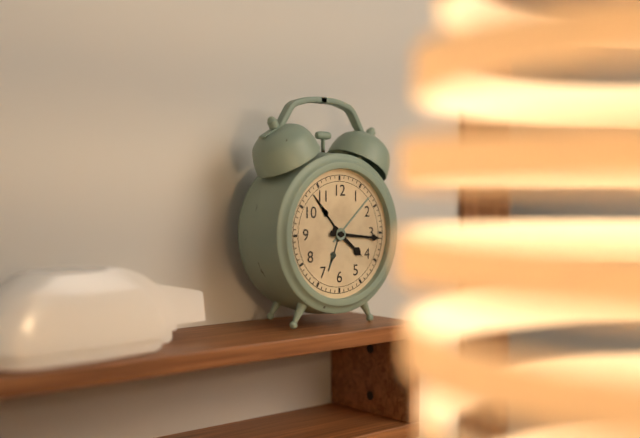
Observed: h=4 m=16
